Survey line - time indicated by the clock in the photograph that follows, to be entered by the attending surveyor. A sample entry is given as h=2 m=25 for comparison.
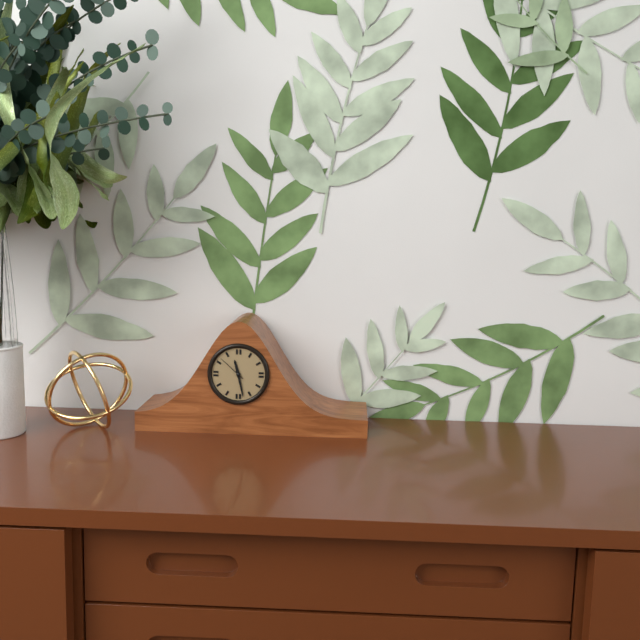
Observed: h=11 m=28
